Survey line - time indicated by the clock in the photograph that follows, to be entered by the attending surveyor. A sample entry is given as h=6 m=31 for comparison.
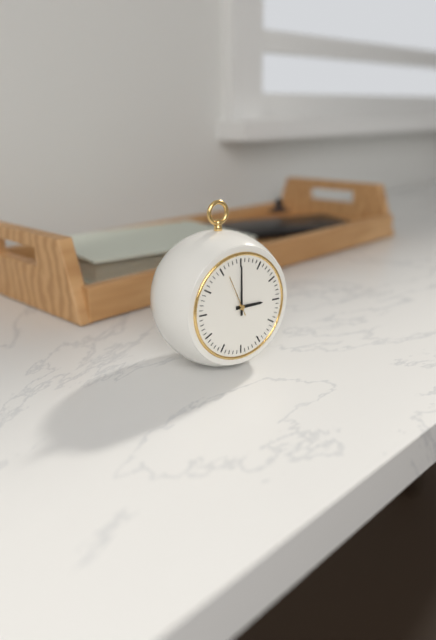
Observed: h=3 m=0
